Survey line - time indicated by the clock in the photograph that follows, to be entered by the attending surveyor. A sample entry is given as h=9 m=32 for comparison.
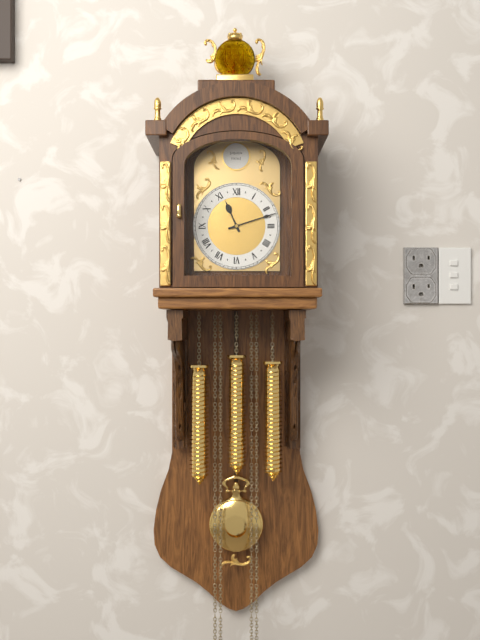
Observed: h=11 m=12
